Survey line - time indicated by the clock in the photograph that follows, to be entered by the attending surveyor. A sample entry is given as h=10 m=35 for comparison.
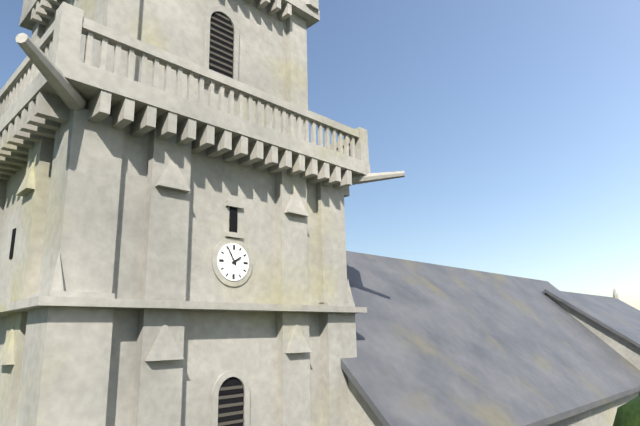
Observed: h=1 m=55
